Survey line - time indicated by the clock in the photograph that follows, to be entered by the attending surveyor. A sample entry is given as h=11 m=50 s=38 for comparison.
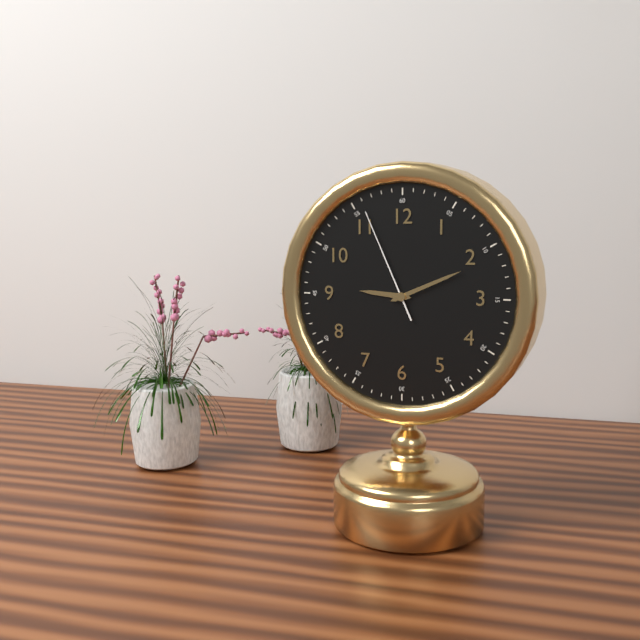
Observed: h=9 m=11 s=56
